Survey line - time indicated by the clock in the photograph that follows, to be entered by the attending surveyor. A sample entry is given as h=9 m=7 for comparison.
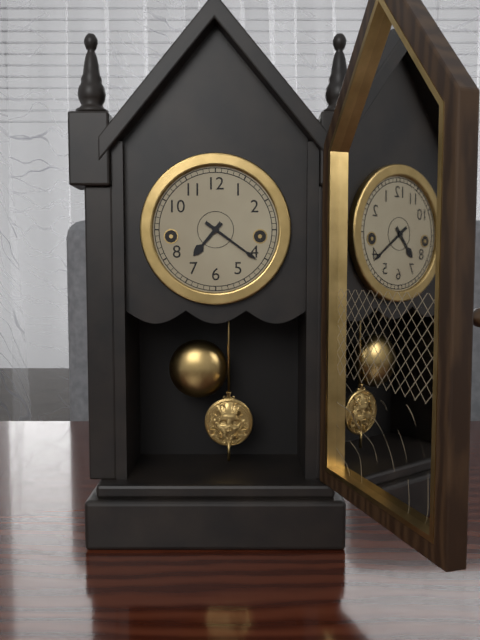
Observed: h=7 m=21
